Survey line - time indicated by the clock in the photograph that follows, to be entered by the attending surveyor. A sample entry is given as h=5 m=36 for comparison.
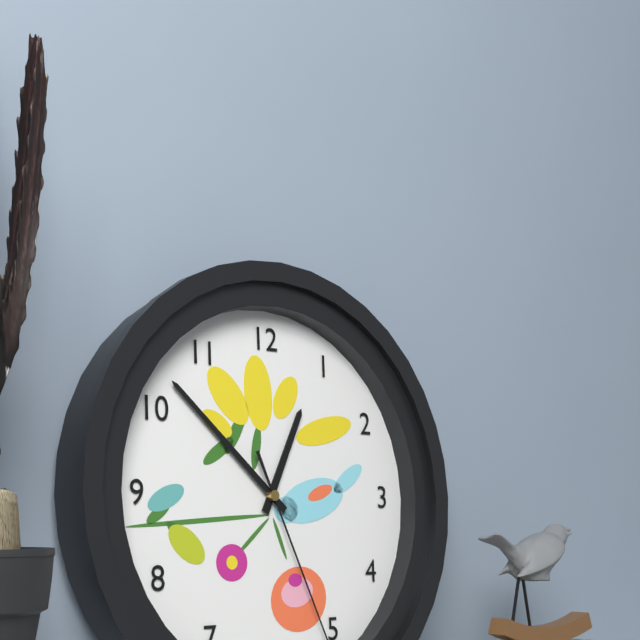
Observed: h=12 m=52
